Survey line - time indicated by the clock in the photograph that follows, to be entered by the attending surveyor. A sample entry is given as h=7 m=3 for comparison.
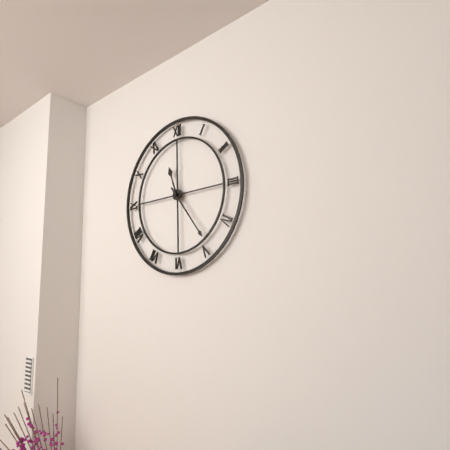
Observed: h=11 m=24
